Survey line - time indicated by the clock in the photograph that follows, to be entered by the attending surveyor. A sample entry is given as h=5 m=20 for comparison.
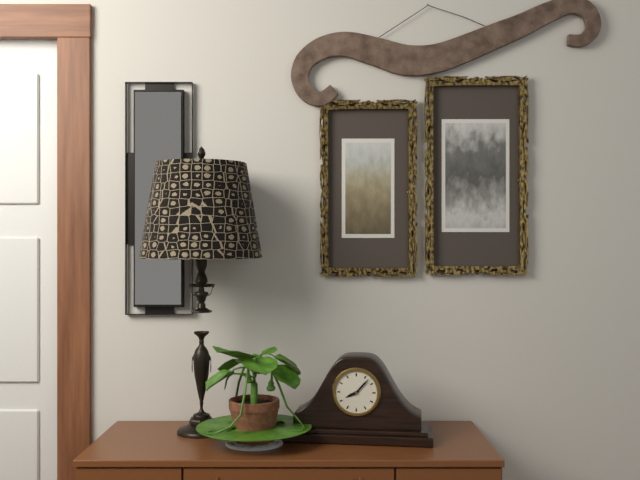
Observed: h=8 m=7
